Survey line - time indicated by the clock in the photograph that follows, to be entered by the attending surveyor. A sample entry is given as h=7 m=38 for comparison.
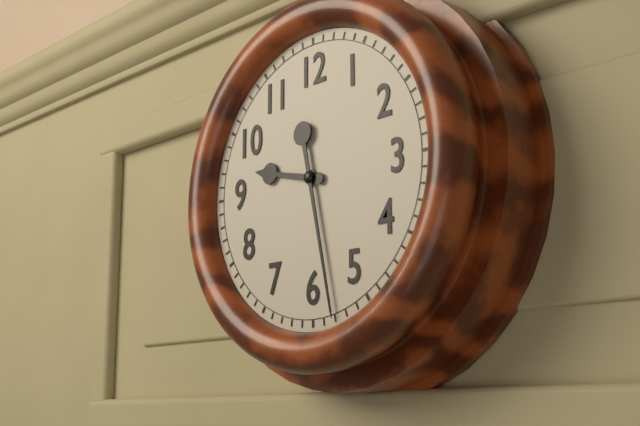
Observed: h=9 m=28
